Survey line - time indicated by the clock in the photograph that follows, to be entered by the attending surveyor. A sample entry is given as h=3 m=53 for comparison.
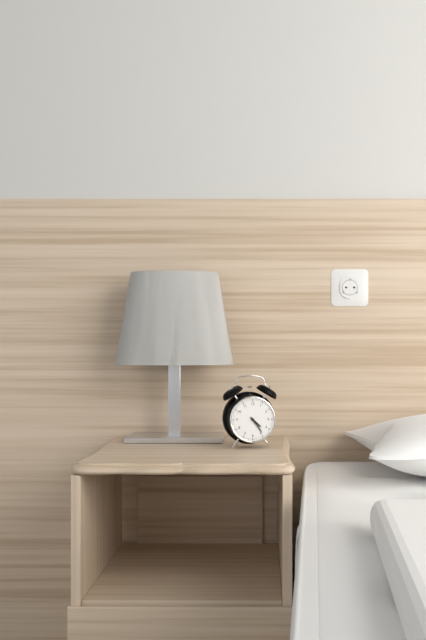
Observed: h=4 m=24
